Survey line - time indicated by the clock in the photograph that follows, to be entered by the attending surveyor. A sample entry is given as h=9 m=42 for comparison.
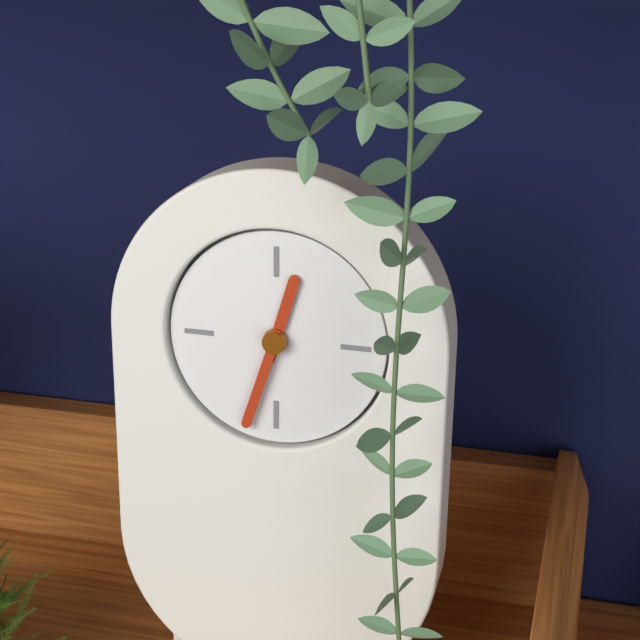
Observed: h=12 m=33
